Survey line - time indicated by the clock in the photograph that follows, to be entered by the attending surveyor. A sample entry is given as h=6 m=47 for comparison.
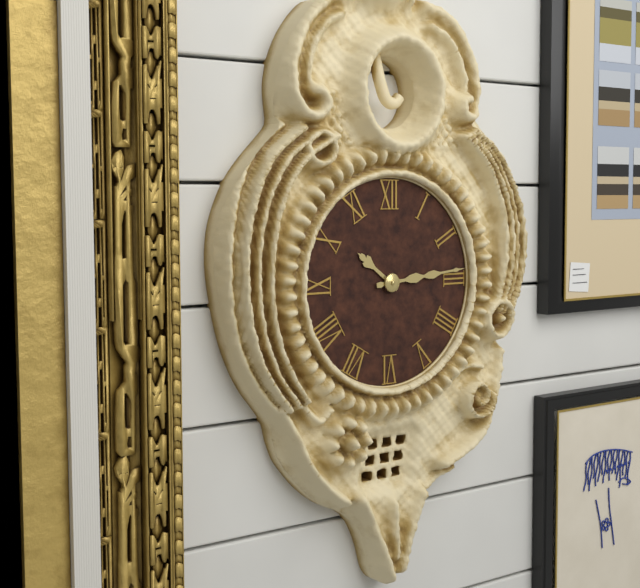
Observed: h=10 m=14
